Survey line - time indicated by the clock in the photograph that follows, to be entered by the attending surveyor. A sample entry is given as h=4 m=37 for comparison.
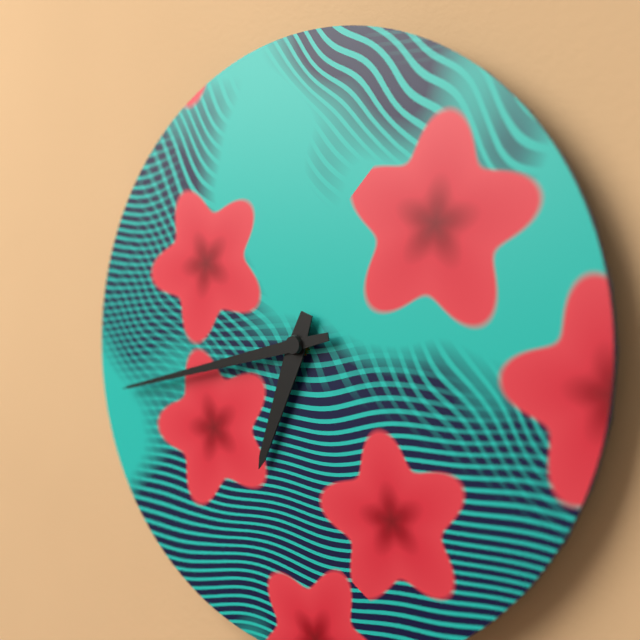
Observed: h=6 m=43
